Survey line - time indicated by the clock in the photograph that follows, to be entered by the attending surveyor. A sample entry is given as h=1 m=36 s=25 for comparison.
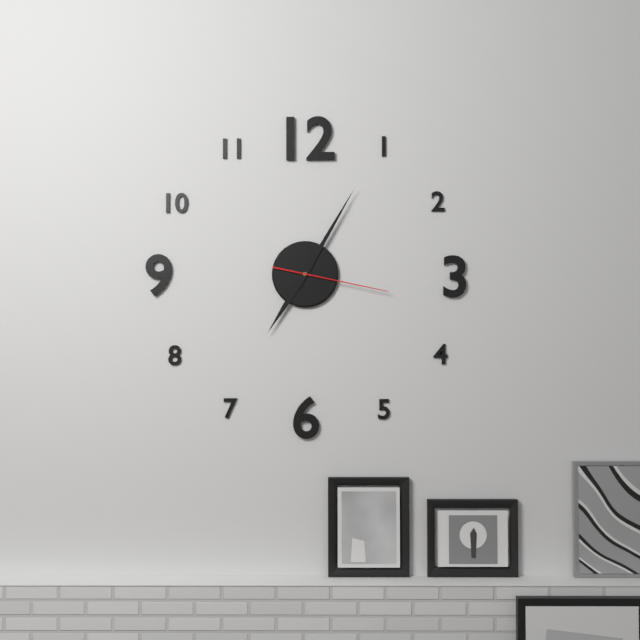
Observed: h=7 m=5 s=17
